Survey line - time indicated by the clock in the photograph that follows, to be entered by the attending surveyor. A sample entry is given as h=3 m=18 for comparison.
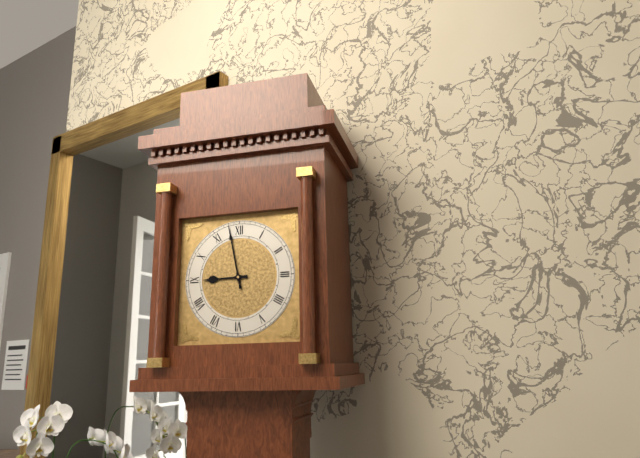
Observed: h=8 m=58
